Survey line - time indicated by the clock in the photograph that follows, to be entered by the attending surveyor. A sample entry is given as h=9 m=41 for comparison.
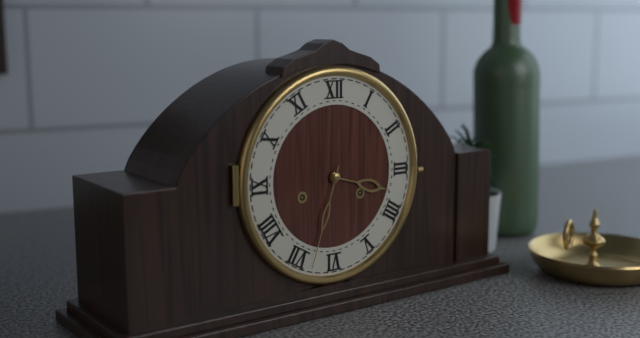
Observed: h=3 m=33
